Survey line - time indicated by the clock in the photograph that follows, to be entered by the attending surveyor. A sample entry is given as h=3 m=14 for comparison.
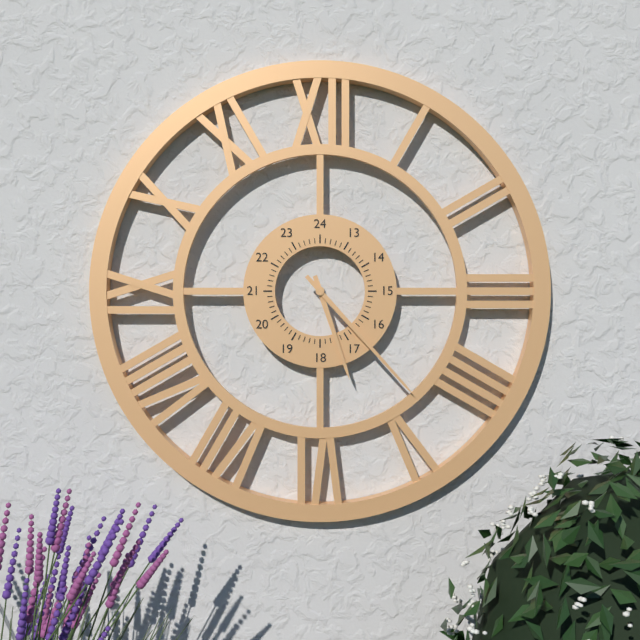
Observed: h=5 m=23
